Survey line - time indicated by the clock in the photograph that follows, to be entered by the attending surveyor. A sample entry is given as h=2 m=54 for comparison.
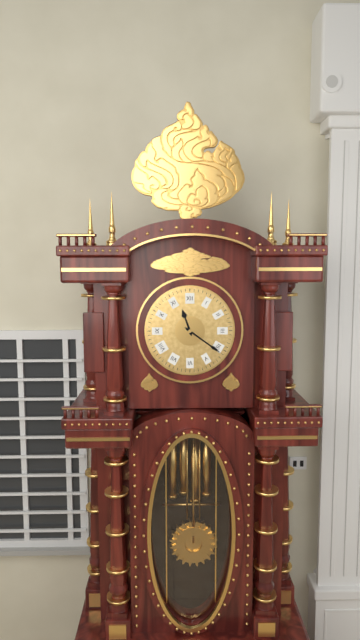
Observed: h=11 m=21
